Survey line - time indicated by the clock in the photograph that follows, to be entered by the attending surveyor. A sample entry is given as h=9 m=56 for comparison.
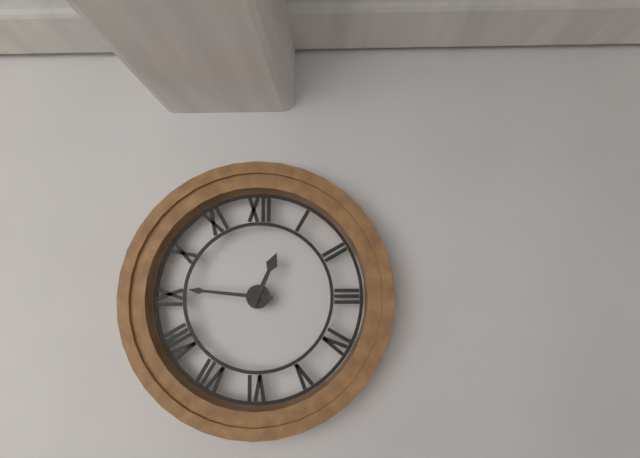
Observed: h=12 m=46
